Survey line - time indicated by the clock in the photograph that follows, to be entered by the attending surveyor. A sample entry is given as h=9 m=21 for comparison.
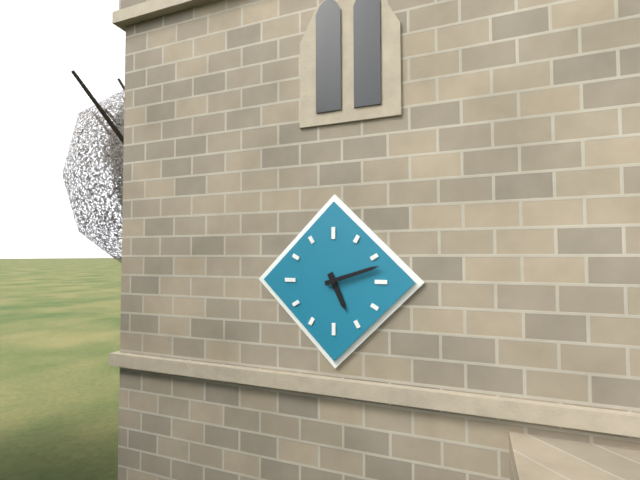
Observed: h=5 m=12
